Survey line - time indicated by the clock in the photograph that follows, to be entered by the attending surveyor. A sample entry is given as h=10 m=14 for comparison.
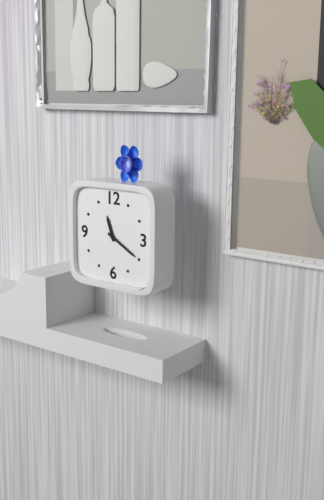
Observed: h=11 m=20
